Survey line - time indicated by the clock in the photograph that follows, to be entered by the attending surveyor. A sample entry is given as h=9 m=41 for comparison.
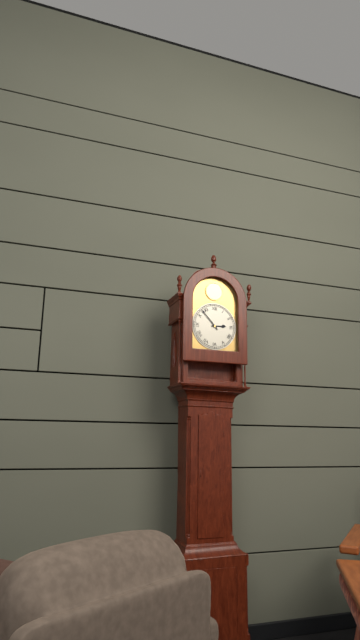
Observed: h=2 m=53
